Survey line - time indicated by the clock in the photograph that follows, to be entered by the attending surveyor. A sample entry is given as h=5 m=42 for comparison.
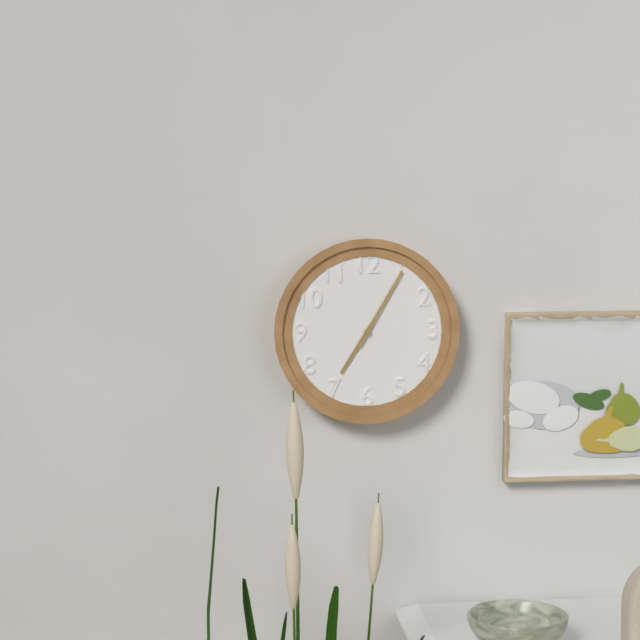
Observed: h=7 m=5
